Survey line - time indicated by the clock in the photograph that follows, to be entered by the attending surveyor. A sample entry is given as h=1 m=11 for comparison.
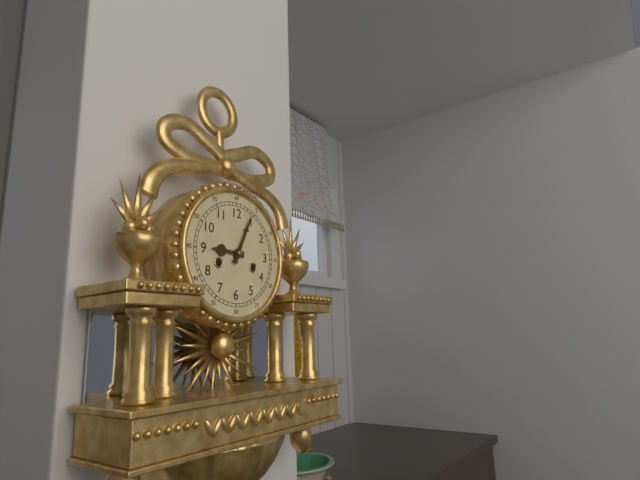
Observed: h=9 m=4
